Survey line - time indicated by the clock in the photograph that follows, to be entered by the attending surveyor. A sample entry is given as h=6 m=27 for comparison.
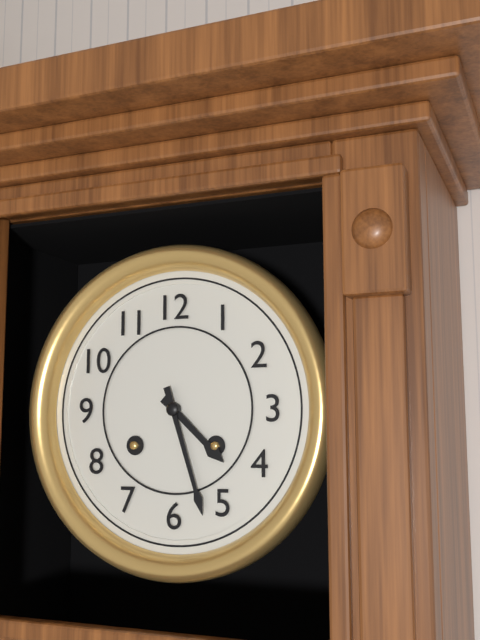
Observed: h=4 m=27
